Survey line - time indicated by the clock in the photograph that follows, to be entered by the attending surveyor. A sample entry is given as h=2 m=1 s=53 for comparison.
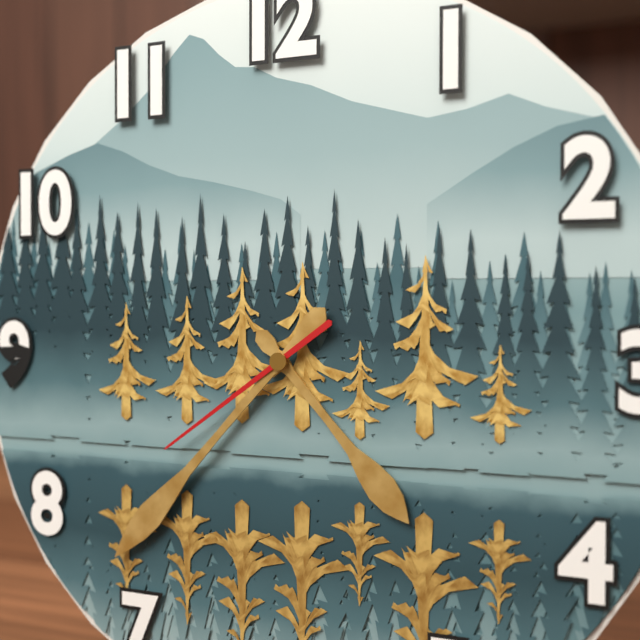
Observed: h=4 m=37 s=39
